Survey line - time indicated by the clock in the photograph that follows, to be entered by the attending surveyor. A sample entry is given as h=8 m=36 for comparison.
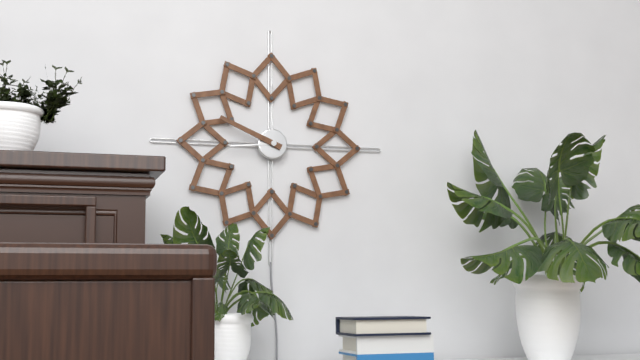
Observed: h=8 m=49
